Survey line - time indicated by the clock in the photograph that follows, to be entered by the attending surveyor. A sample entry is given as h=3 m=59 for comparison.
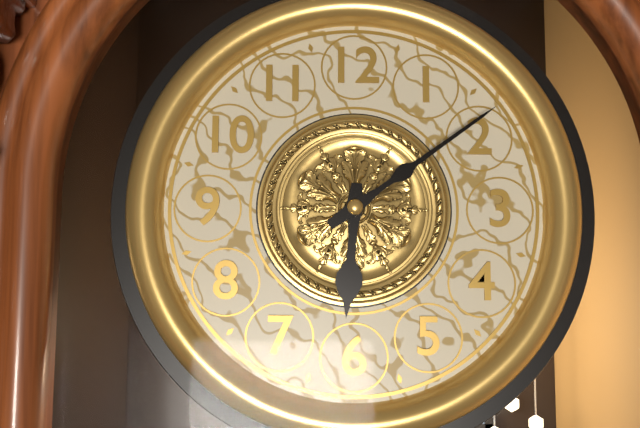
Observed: h=6 m=9
